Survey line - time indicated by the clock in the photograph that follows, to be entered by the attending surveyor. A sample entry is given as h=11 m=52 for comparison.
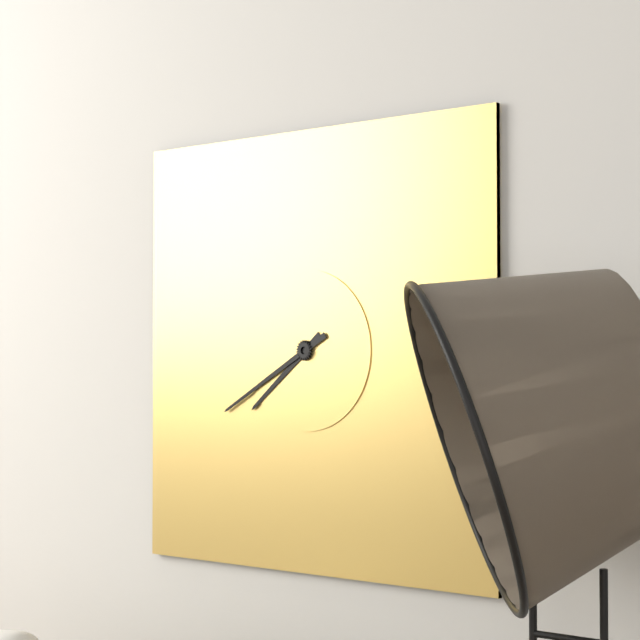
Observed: h=7 m=40
